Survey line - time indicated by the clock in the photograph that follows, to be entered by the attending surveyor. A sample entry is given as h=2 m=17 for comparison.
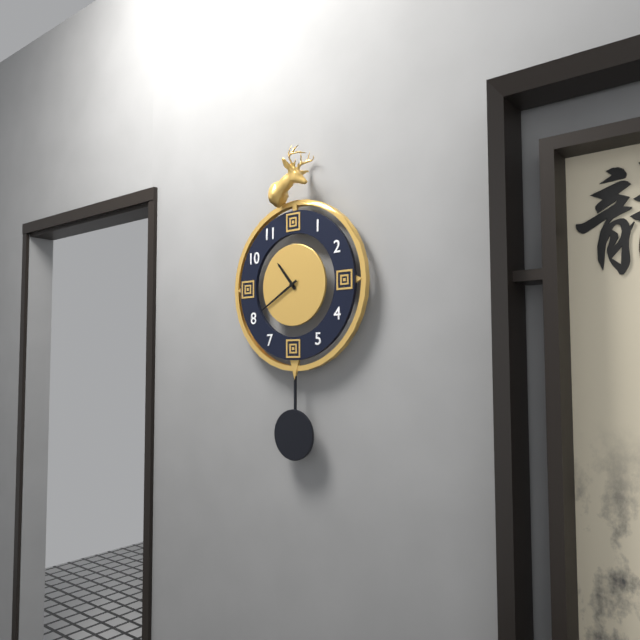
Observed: h=10 m=40
